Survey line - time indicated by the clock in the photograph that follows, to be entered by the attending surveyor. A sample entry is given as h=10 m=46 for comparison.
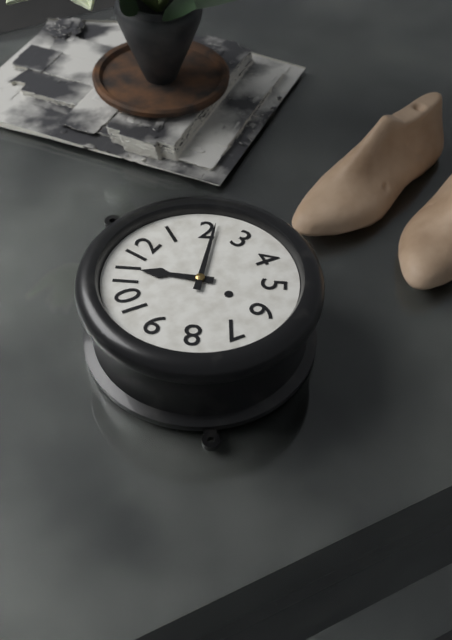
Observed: h=11 m=11
